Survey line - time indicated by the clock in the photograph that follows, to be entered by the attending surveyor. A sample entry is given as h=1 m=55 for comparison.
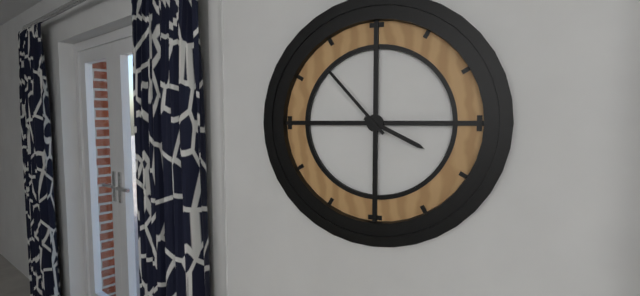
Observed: h=3 m=53
